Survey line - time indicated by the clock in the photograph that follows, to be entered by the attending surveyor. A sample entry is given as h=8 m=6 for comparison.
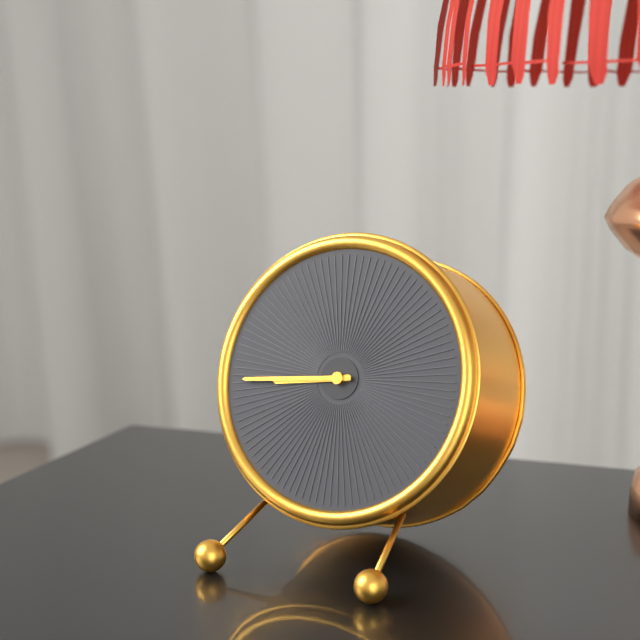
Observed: h=8 m=44
